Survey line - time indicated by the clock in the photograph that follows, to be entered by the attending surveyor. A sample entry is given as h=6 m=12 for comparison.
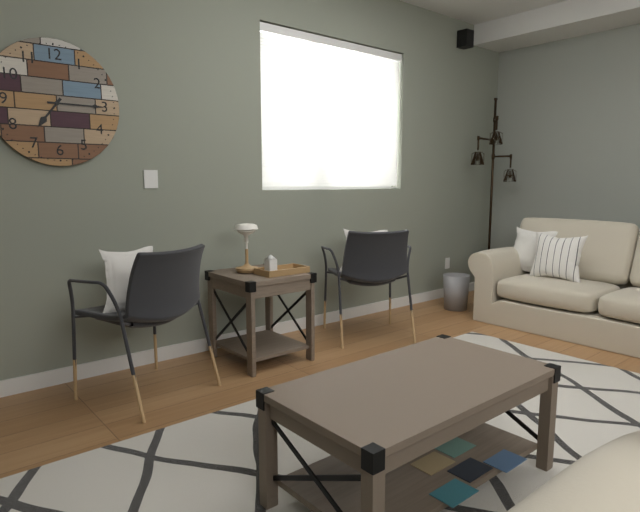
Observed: h=7 m=15
